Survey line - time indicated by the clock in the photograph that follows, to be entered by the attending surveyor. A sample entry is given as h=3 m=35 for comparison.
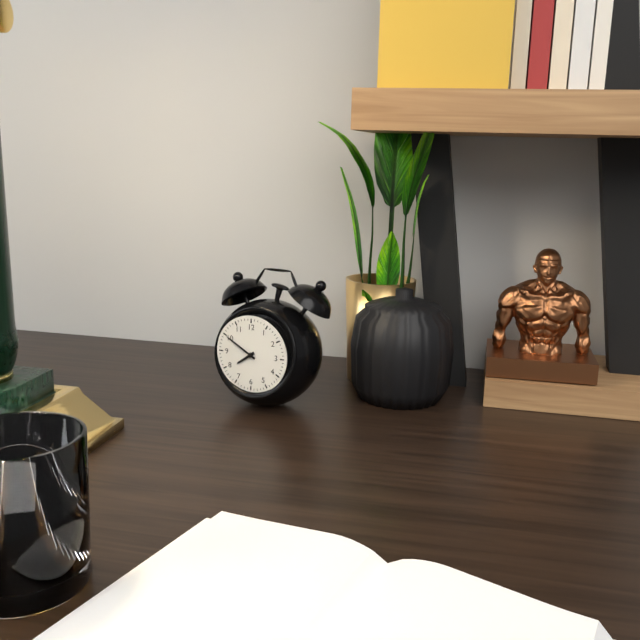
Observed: h=7 m=50
